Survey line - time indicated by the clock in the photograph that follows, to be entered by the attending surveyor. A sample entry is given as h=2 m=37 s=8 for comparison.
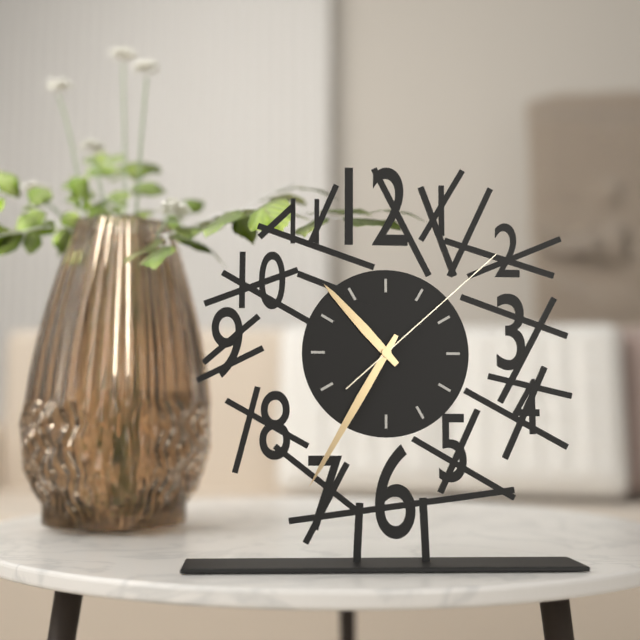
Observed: h=10 m=35 s=8
